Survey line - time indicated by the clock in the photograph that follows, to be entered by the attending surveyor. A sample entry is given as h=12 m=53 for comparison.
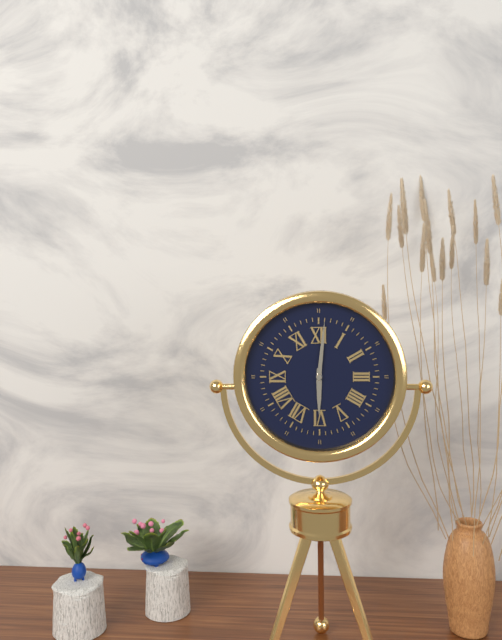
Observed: h=6 m=1
